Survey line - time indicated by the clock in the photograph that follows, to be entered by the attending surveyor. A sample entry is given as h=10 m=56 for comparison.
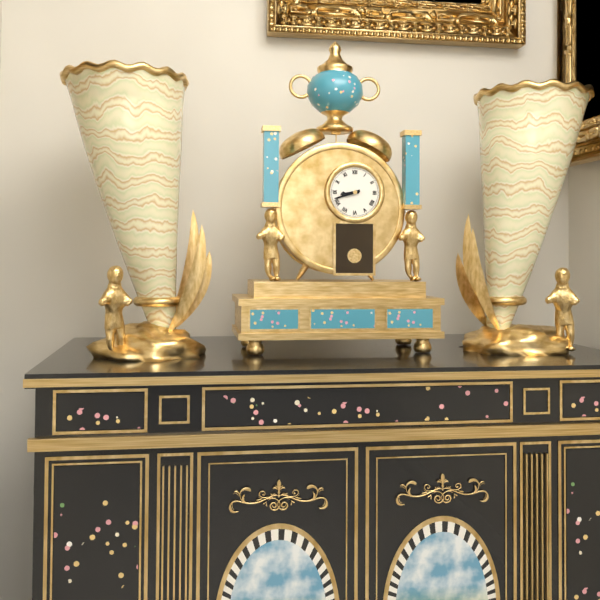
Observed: h=8 m=42
